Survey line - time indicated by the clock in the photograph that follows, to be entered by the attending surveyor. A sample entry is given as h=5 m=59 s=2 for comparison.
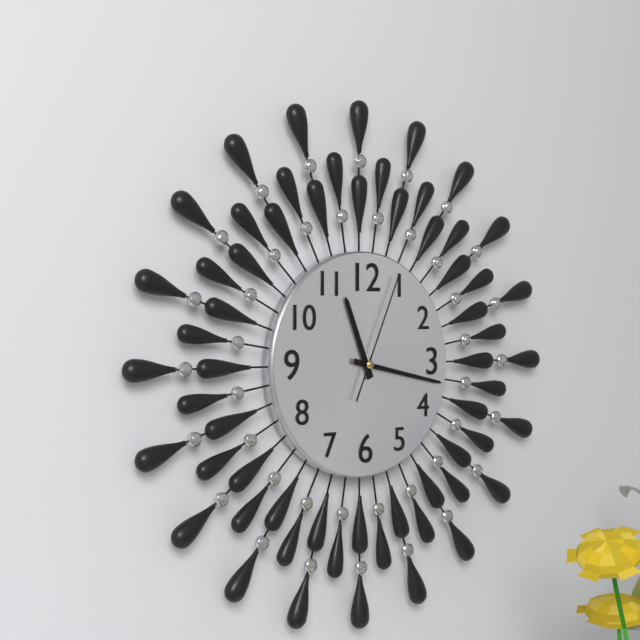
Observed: h=11 m=17 s=4
